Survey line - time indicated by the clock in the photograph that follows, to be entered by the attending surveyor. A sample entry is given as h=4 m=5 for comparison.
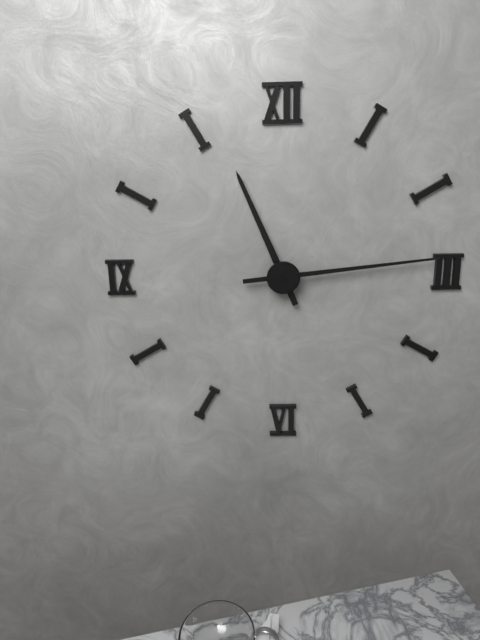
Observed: h=11 m=14
